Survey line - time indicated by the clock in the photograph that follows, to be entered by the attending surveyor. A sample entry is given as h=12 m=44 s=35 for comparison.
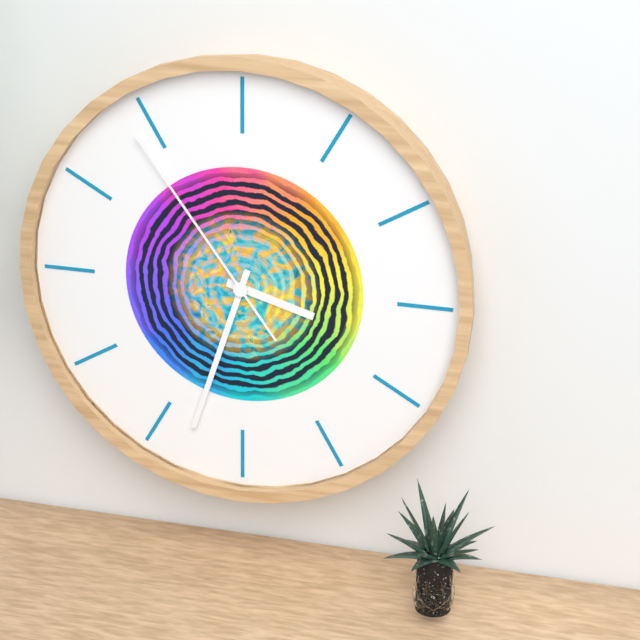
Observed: h=3 m=33 s=54
